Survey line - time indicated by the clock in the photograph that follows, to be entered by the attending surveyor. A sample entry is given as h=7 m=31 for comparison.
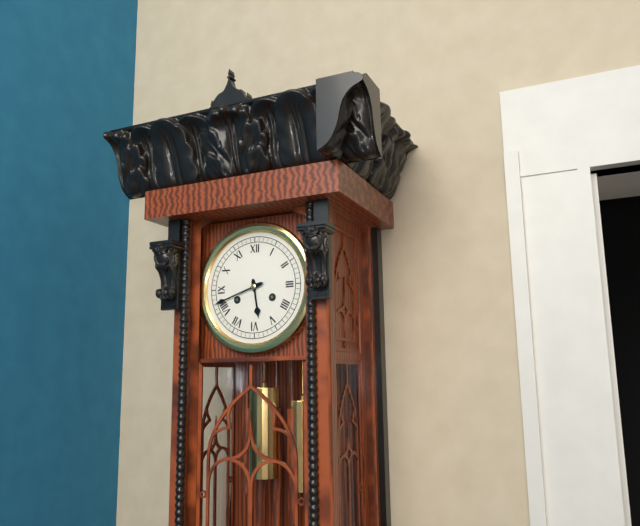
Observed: h=5 m=42
